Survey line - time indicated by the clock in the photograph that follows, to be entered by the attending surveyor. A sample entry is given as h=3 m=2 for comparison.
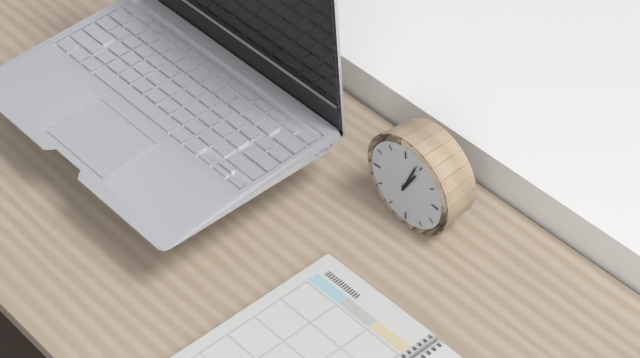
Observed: h=1 m=4
